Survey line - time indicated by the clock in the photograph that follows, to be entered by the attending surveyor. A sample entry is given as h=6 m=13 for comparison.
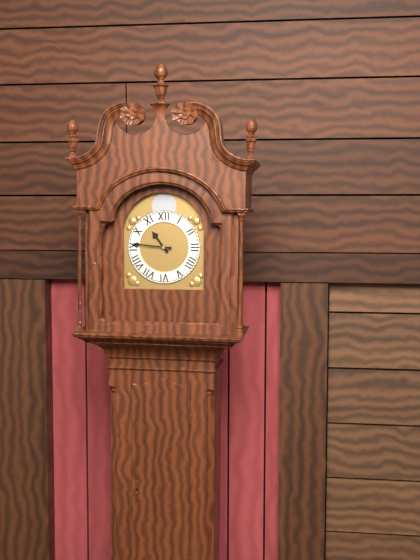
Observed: h=10 m=46
